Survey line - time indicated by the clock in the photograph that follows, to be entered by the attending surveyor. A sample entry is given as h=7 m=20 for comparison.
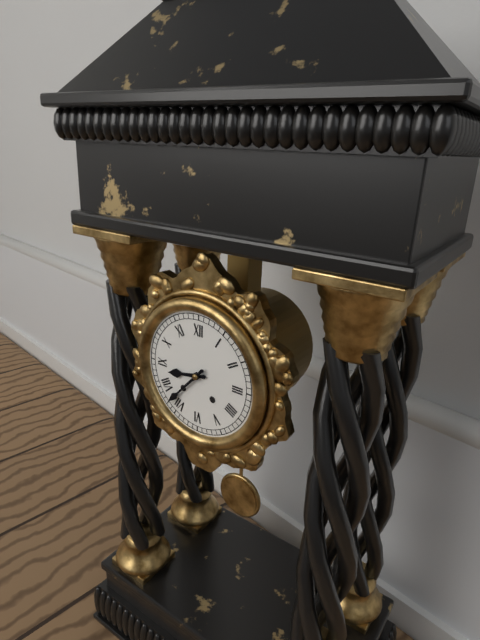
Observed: h=8 m=37
